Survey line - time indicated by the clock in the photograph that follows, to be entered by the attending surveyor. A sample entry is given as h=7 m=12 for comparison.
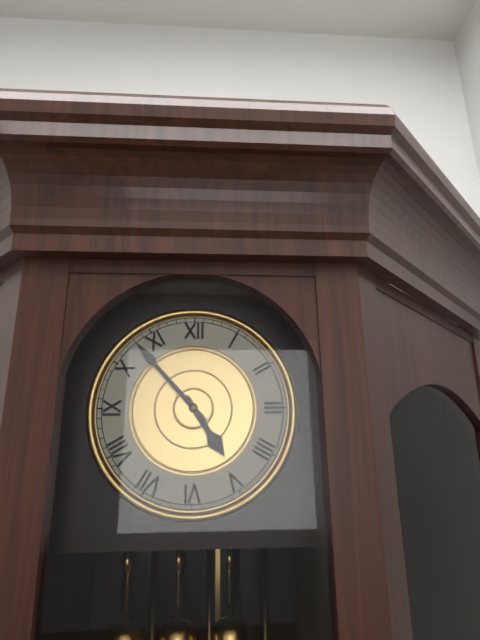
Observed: h=4 m=53
